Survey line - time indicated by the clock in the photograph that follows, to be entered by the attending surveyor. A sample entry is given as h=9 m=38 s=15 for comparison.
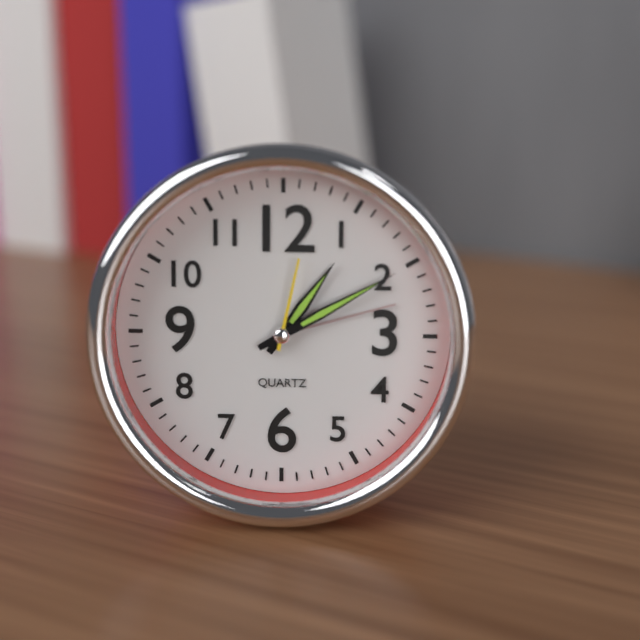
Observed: h=1 m=10 s=2
